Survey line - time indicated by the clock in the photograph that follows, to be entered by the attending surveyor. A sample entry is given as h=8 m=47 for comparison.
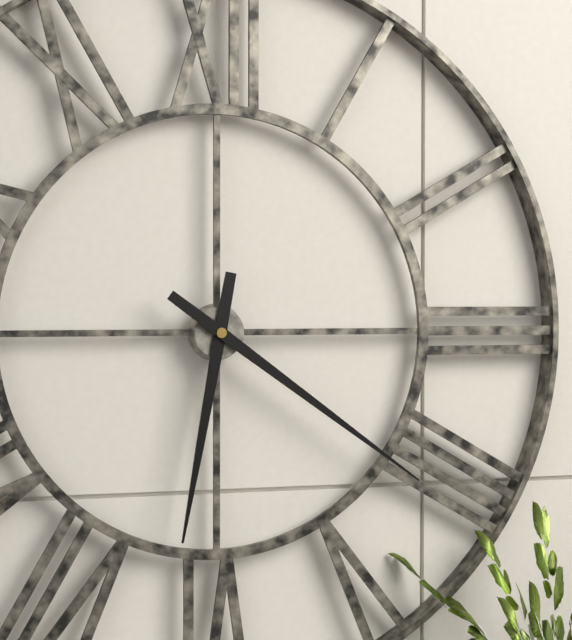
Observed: h=6 m=21
